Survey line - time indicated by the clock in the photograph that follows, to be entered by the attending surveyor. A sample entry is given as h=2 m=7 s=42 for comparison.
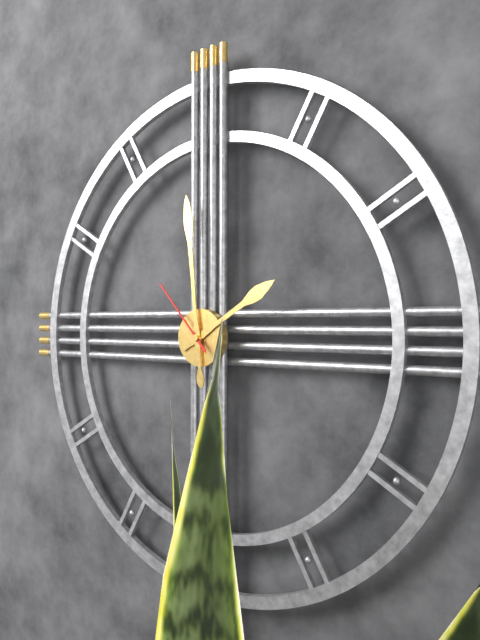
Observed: h=1 m=59 s=53
